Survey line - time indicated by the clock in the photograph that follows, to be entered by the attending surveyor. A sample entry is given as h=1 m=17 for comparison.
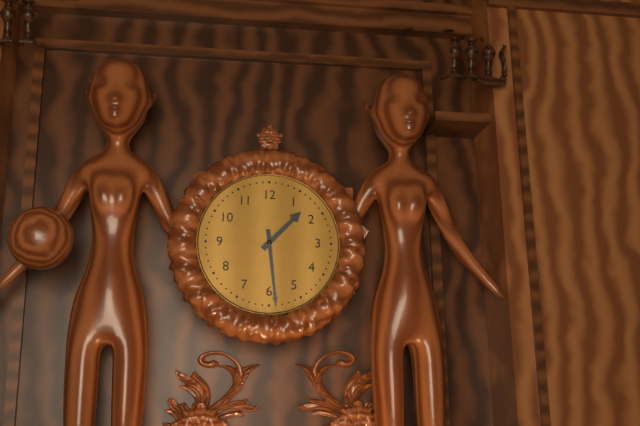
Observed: h=1 m=29
